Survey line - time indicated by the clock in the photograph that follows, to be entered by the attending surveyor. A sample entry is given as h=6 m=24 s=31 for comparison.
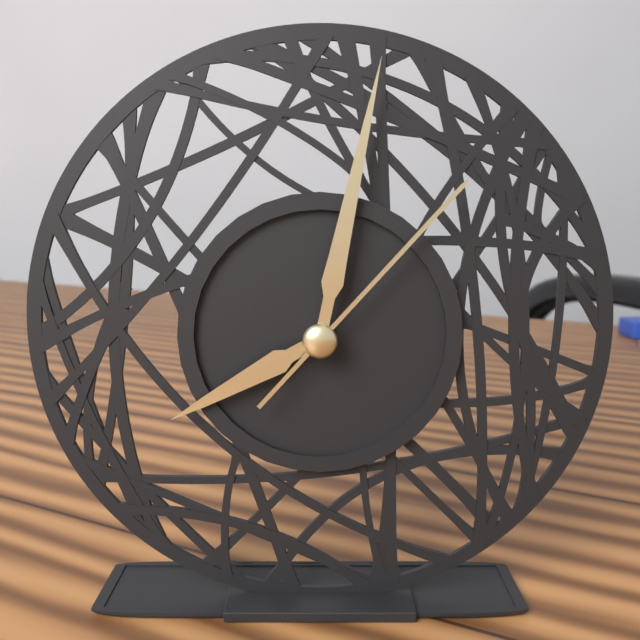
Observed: h=8 m=2 s=7
